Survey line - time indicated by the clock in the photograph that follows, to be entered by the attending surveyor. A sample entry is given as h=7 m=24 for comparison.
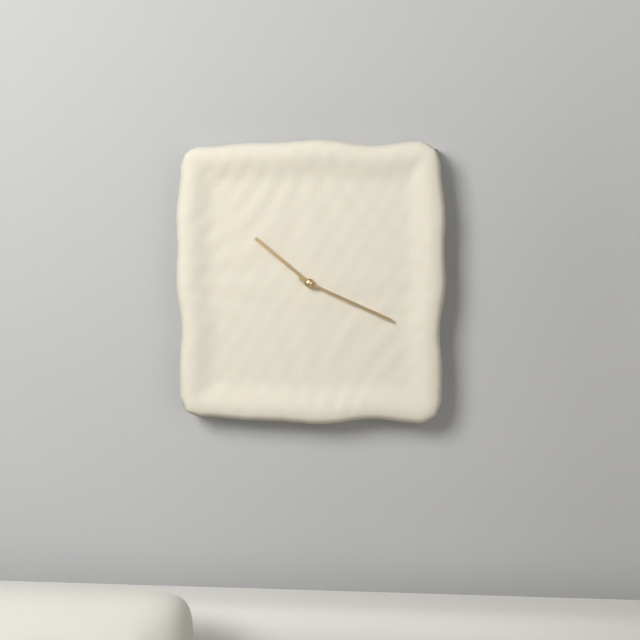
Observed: h=10 m=19
